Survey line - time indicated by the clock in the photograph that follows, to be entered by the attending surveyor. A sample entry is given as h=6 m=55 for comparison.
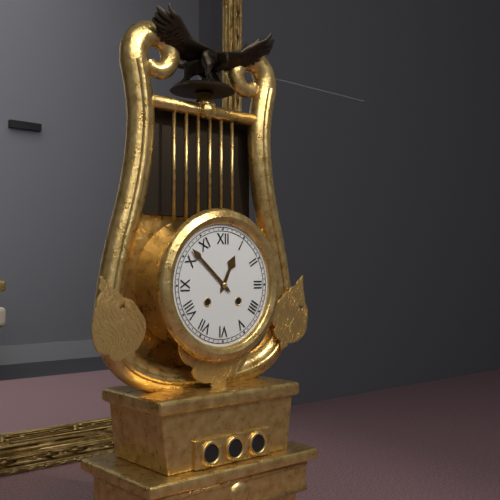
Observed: h=12 m=52
